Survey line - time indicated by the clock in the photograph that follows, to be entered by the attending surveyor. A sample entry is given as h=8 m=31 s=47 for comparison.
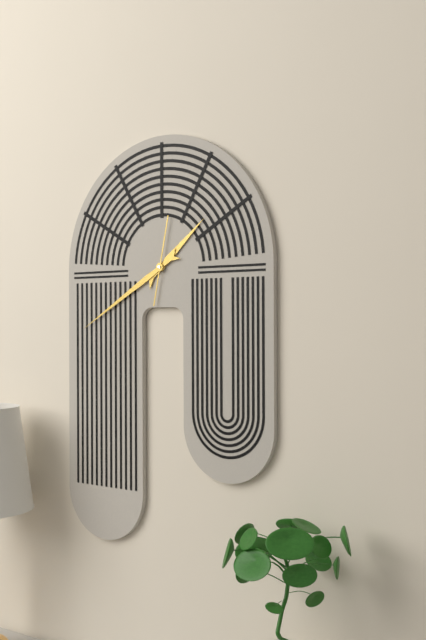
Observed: h=1 m=40 s=2
